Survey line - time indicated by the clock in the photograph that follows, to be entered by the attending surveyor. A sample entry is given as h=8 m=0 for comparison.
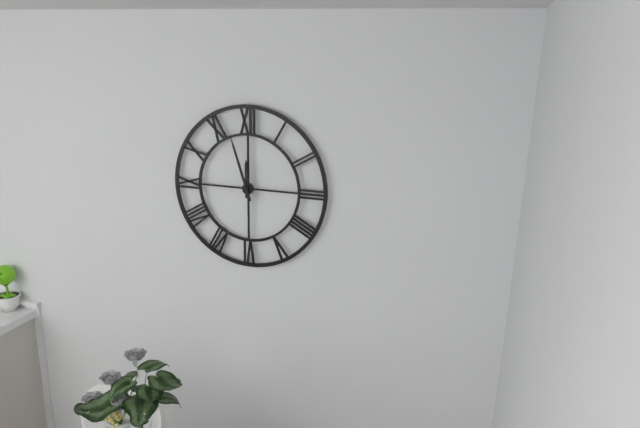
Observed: h=11 m=57
